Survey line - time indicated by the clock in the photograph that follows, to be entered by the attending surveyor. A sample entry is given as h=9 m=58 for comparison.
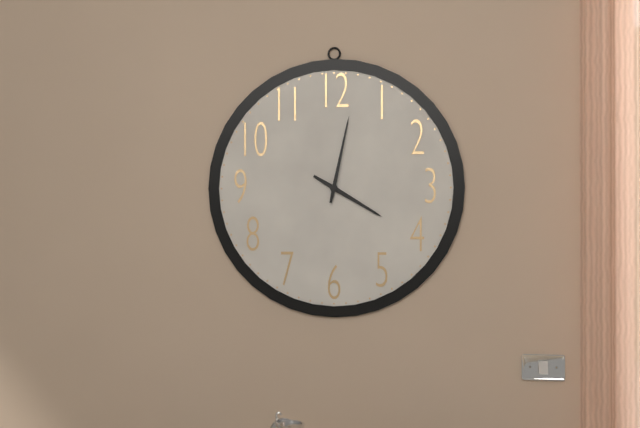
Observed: h=4 m=2
